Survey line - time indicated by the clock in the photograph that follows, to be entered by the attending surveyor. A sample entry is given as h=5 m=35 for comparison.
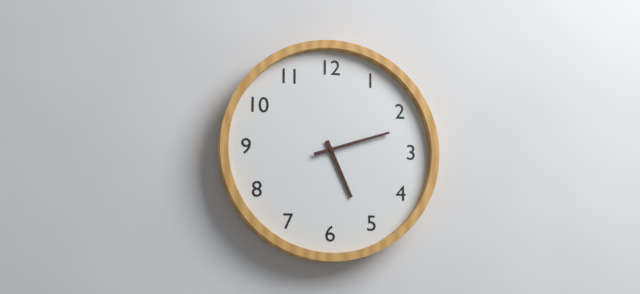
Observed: h=5 m=12
